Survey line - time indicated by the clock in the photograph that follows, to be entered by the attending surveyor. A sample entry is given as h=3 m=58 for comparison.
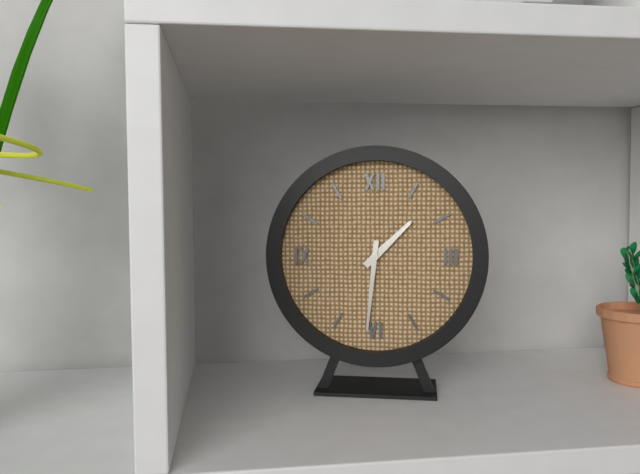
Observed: h=1 m=31
